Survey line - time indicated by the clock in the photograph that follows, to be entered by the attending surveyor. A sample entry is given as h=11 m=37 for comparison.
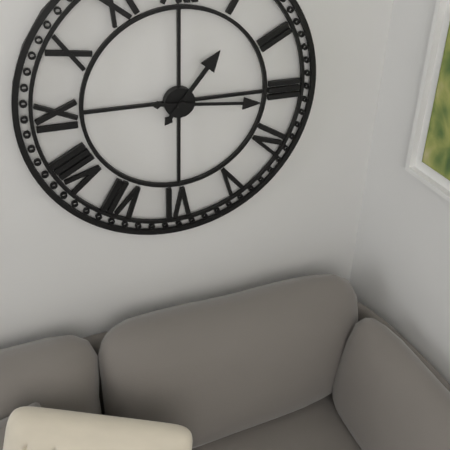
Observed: h=1 m=16
